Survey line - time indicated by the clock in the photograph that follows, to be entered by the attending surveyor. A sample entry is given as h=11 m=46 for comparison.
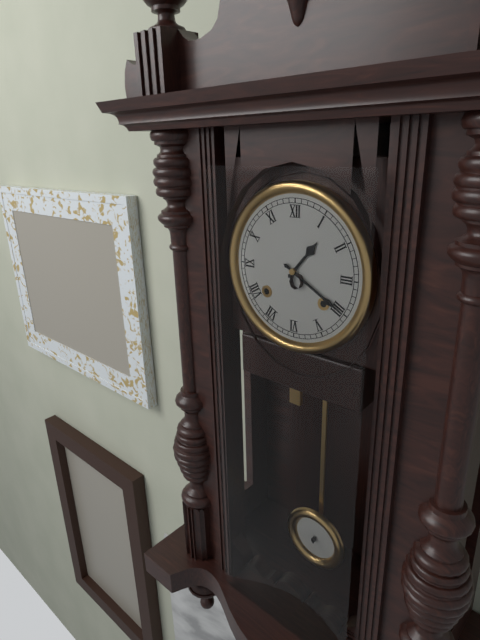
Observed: h=1 m=20
